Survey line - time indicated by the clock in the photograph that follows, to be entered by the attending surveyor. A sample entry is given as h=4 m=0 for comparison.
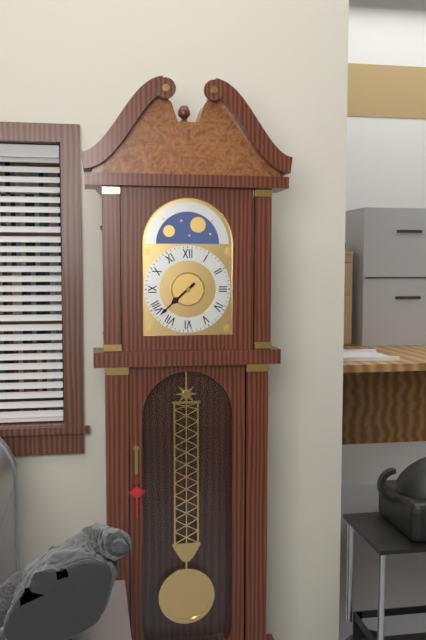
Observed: h=7 m=38
